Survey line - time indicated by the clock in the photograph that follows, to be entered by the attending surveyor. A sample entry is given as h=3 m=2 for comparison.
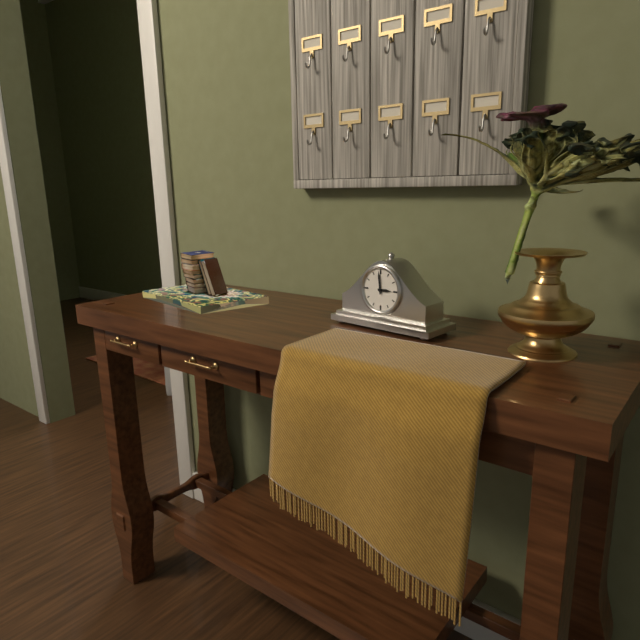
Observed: h=2 m=59
